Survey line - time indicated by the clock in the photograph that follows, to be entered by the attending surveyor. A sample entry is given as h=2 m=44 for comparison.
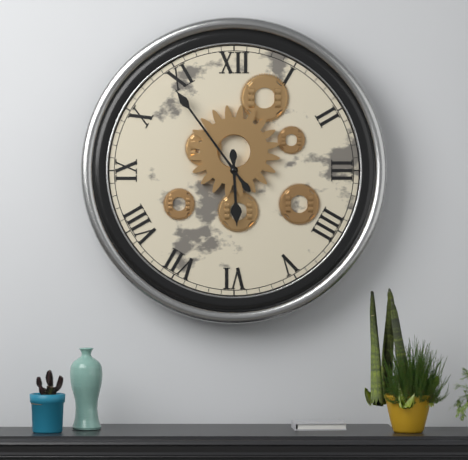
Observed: h=5 m=54
